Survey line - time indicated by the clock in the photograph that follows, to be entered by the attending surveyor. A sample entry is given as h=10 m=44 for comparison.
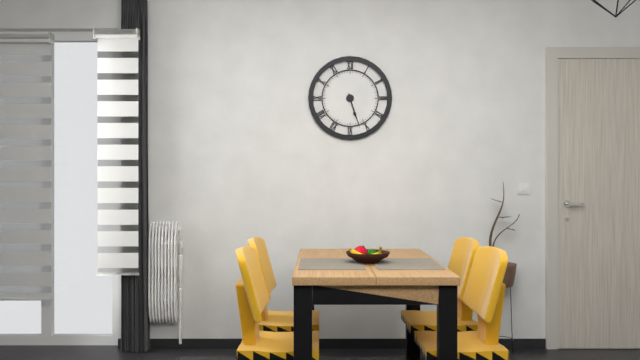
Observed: h=5 m=27
